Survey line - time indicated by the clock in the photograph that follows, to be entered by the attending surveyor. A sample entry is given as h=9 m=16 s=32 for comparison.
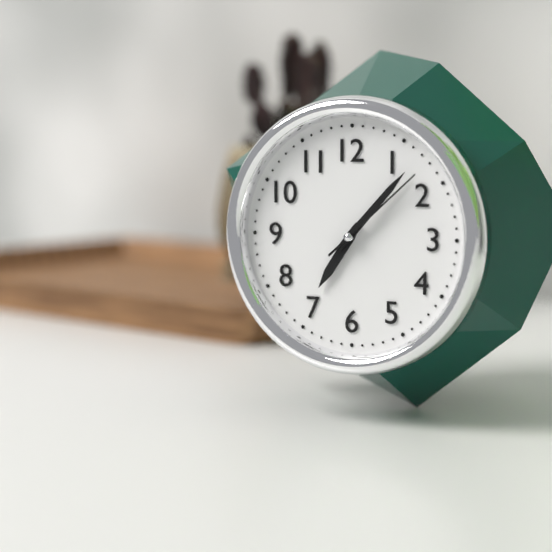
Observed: h=7 m=7 s=8
